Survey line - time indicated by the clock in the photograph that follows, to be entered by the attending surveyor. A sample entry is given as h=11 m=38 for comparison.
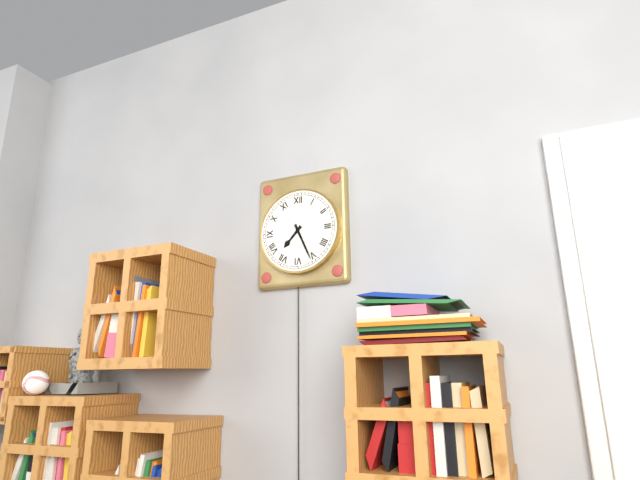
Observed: h=7 m=26
